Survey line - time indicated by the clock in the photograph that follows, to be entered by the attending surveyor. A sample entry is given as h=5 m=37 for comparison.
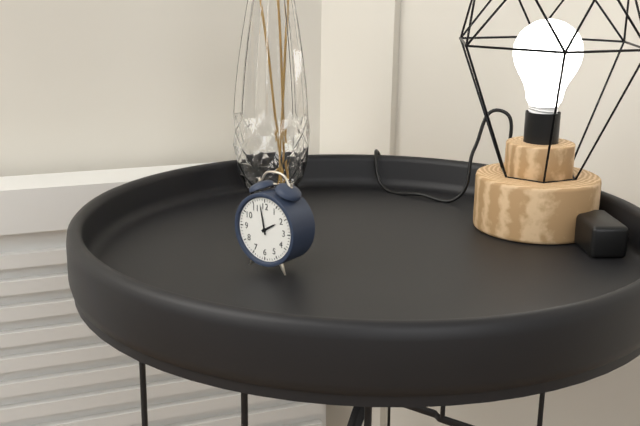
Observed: h=1 m=58
